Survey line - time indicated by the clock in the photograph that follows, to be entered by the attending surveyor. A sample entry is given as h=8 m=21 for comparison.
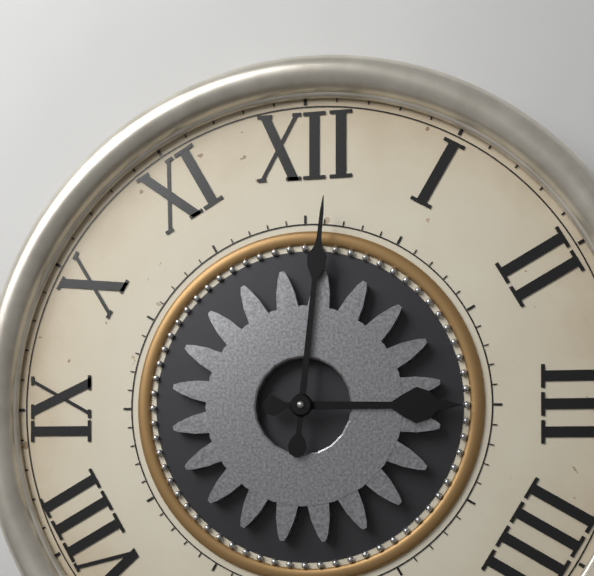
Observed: h=3 m=1
